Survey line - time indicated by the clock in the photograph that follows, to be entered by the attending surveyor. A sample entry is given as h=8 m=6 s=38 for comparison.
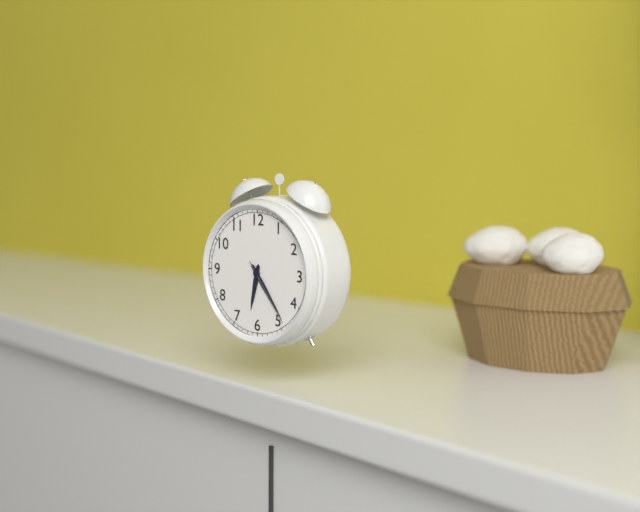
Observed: h=6 m=24 s=24
